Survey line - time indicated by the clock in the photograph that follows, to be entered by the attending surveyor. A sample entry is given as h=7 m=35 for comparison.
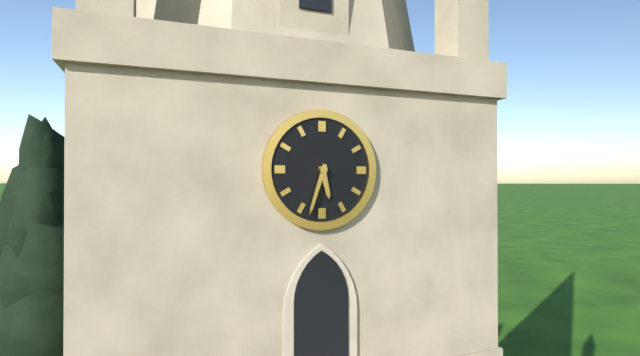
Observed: h=5 m=33
